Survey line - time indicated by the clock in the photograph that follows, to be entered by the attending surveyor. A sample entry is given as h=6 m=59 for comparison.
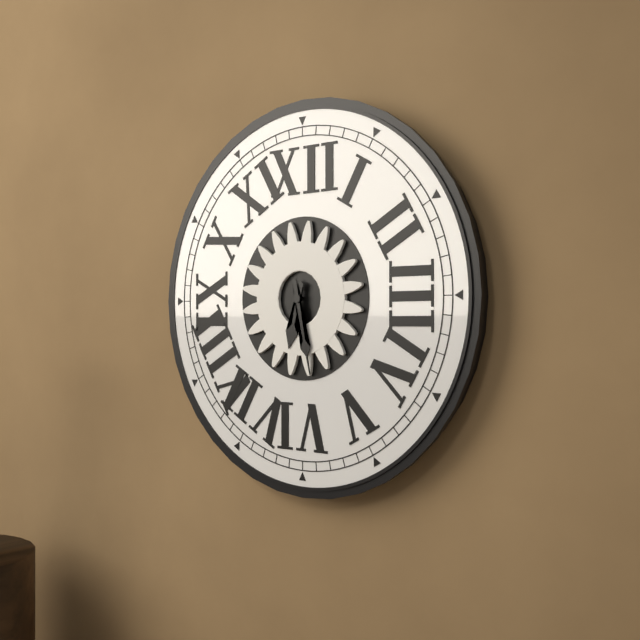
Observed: h=6 m=28
